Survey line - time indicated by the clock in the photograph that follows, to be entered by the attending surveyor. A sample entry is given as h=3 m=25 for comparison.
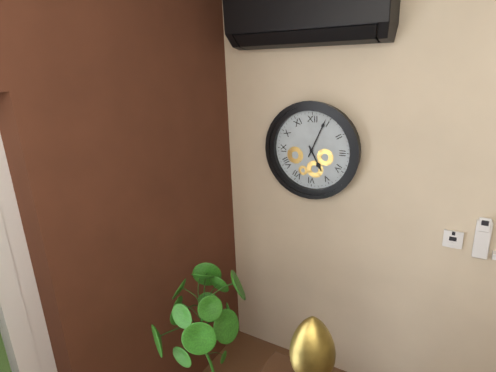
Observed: h=5 m=4
